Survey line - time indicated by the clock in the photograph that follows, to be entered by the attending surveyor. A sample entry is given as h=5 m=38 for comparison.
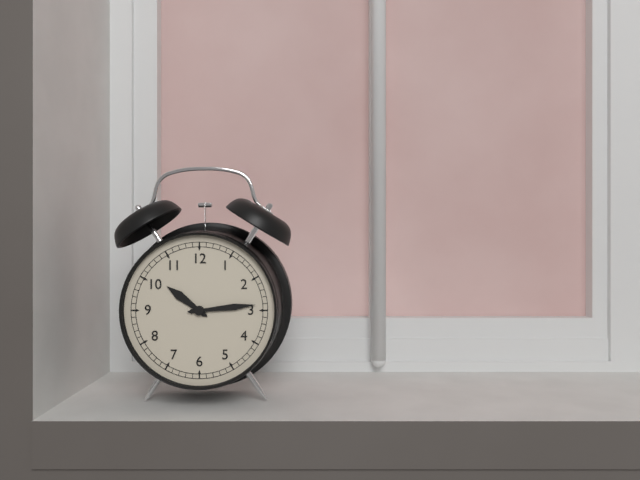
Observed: h=10 m=14
